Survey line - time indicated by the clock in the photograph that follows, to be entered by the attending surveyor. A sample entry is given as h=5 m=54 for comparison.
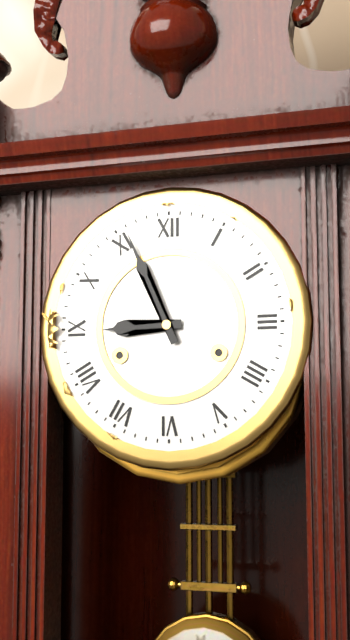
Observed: h=8 m=56
